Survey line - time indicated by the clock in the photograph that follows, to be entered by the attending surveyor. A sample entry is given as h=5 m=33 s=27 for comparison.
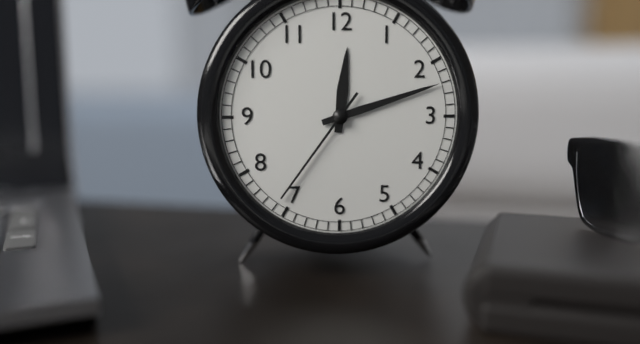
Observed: h=12 m=12 s=36
